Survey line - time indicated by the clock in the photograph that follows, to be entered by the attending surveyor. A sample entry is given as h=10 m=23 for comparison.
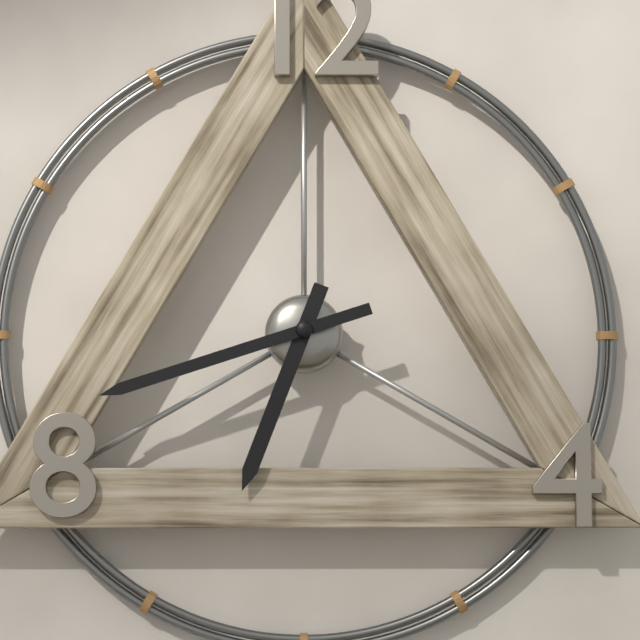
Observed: h=6 m=42
